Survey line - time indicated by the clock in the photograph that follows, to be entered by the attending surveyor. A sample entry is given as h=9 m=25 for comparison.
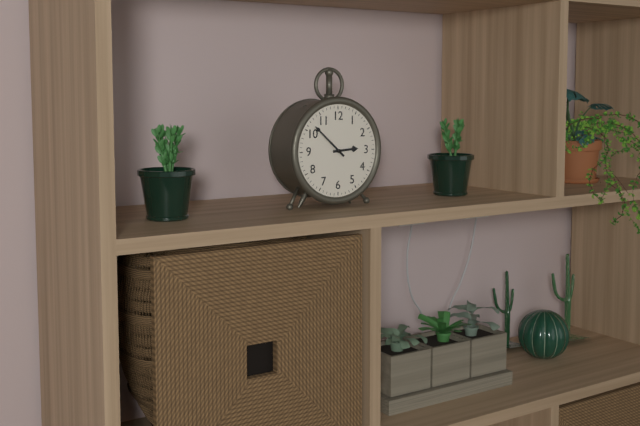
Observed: h=2 m=52
